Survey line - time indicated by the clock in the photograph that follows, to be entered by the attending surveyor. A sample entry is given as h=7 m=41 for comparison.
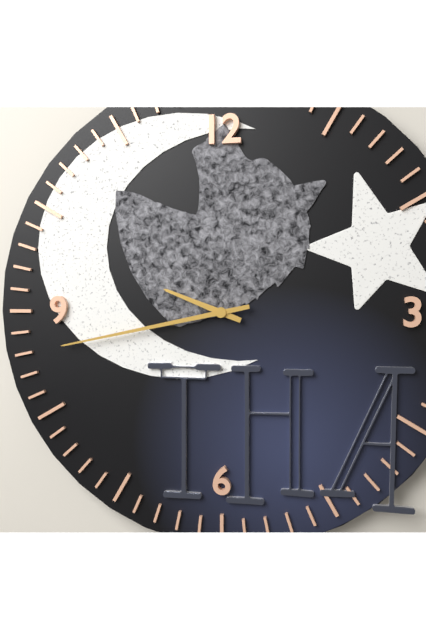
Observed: h=9 m=43
